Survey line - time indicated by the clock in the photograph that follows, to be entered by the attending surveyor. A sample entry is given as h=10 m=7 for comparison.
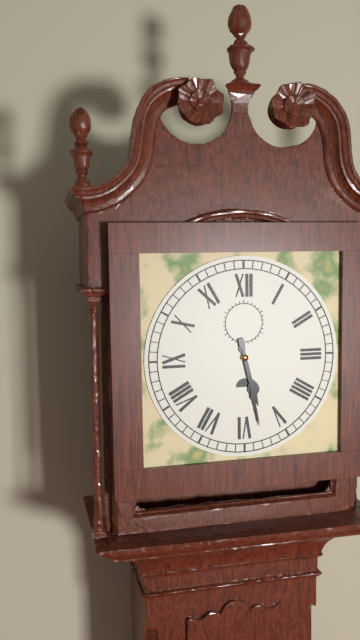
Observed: h=5 m=28
